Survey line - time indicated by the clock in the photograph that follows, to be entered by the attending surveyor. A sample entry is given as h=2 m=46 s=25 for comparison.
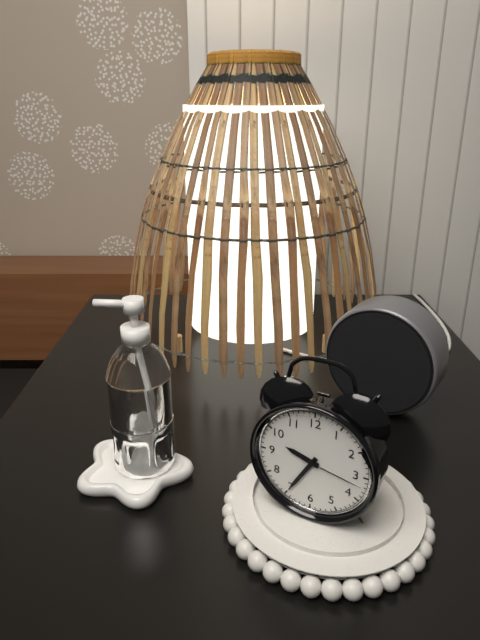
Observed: h=9 m=35 s=17
